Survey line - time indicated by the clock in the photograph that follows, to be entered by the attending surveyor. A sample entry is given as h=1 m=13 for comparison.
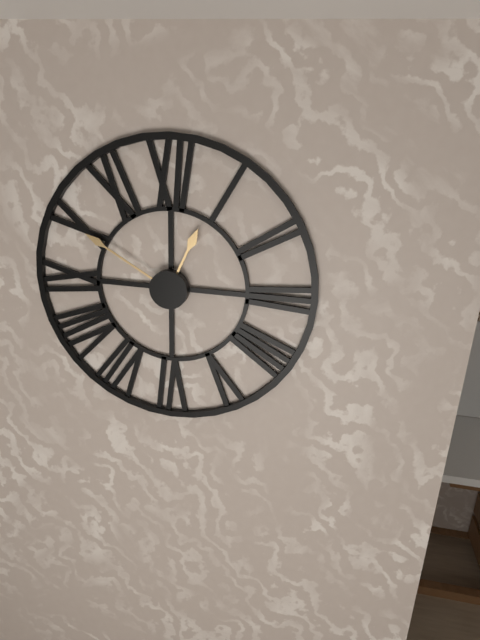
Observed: h=12 m=50
